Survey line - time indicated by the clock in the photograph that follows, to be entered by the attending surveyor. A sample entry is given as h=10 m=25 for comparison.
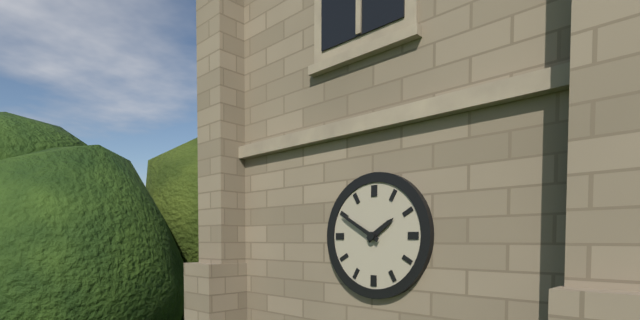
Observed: h=1 m=50
